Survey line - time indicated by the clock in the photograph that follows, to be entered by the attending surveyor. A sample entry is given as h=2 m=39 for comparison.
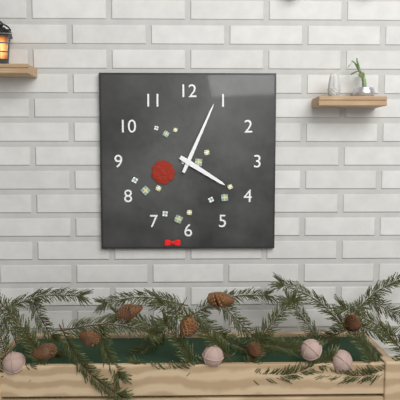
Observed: h=4 m=4
